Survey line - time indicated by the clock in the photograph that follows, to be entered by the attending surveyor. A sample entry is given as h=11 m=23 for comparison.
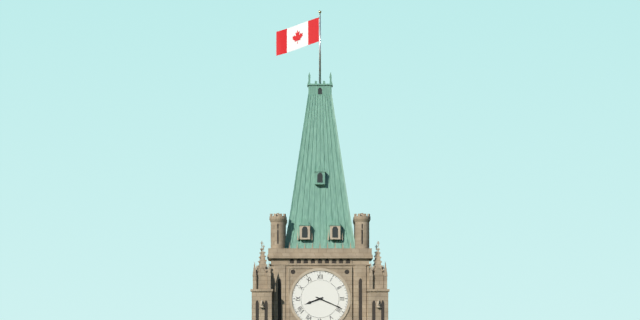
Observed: h=8 m=19
